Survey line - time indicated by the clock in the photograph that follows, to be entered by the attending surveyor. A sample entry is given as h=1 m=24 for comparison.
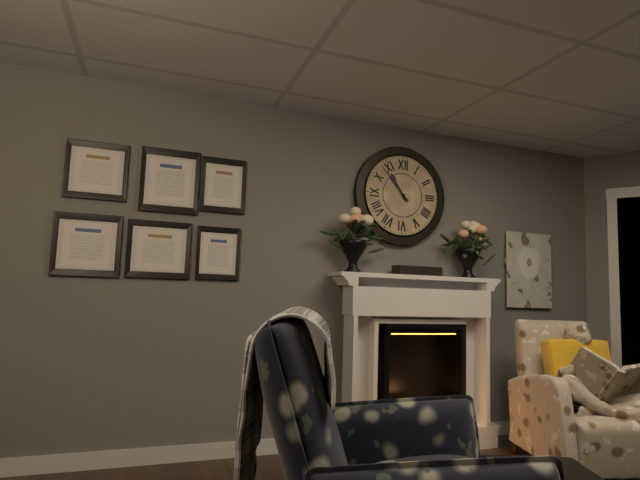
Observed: h=10 m=53
